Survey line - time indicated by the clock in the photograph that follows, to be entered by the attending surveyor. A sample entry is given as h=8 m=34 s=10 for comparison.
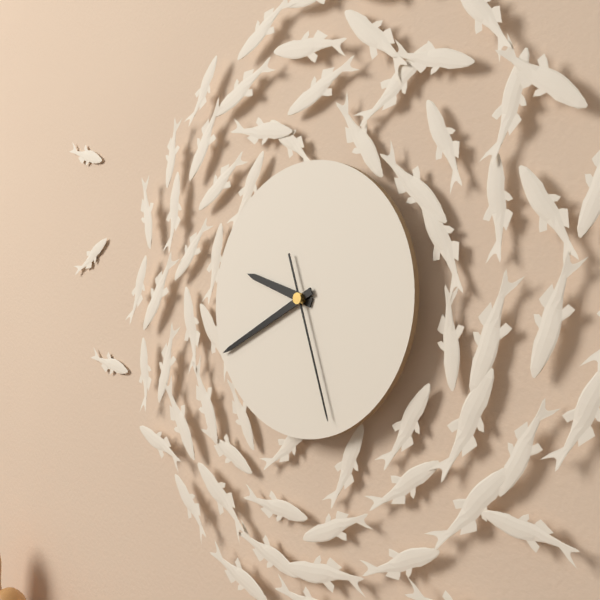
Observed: h=9 m=41 s=27
